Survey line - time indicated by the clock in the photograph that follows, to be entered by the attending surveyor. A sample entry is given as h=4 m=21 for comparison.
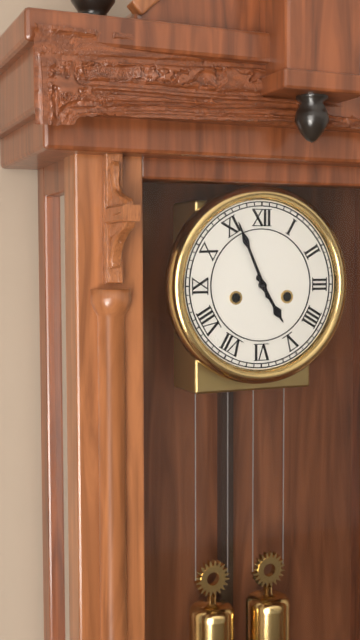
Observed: h=4 m=56
